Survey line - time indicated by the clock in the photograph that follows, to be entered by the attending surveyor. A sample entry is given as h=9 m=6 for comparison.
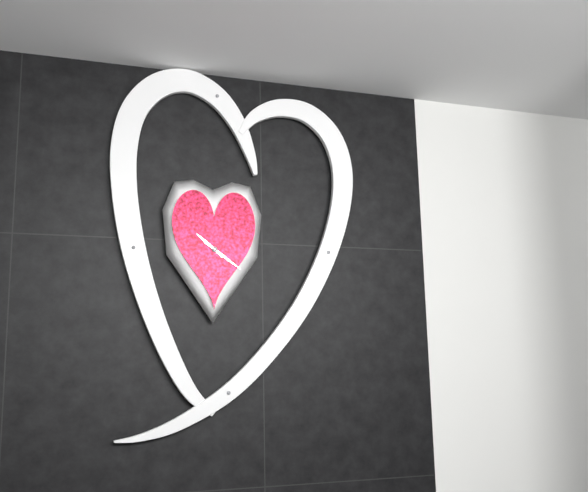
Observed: h=10 m=21
